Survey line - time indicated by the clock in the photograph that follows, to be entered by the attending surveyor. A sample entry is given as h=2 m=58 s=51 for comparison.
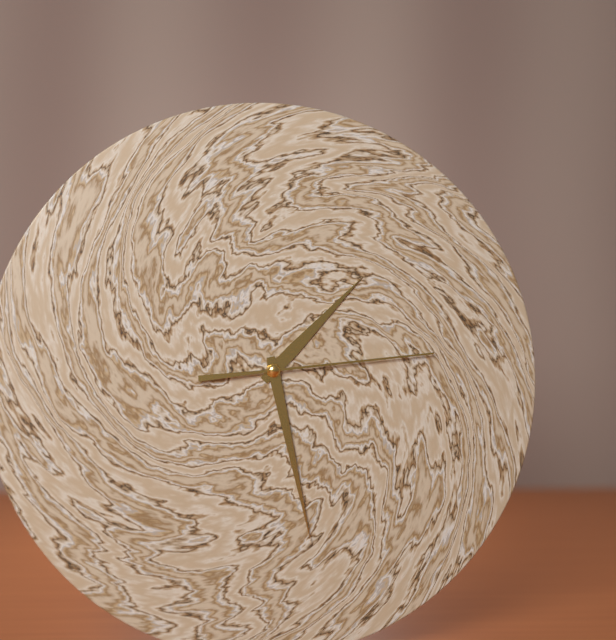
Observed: h=1 m=28 s=14
